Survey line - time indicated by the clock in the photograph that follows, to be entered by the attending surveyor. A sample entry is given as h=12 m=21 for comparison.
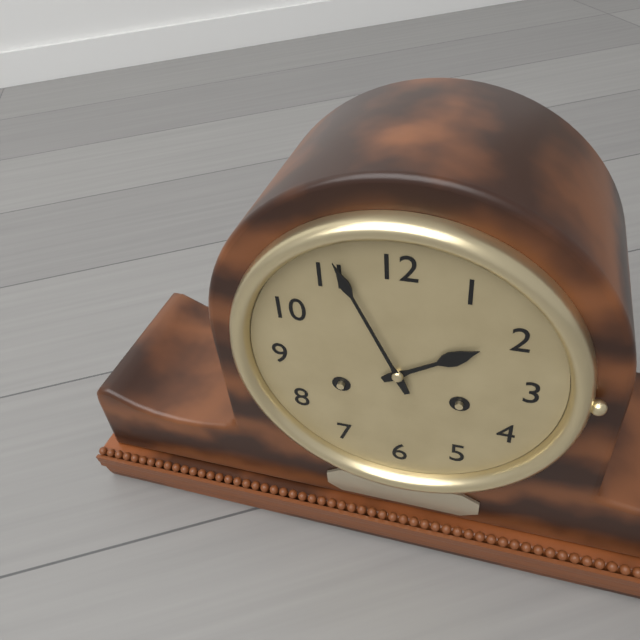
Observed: h=1 m=56
